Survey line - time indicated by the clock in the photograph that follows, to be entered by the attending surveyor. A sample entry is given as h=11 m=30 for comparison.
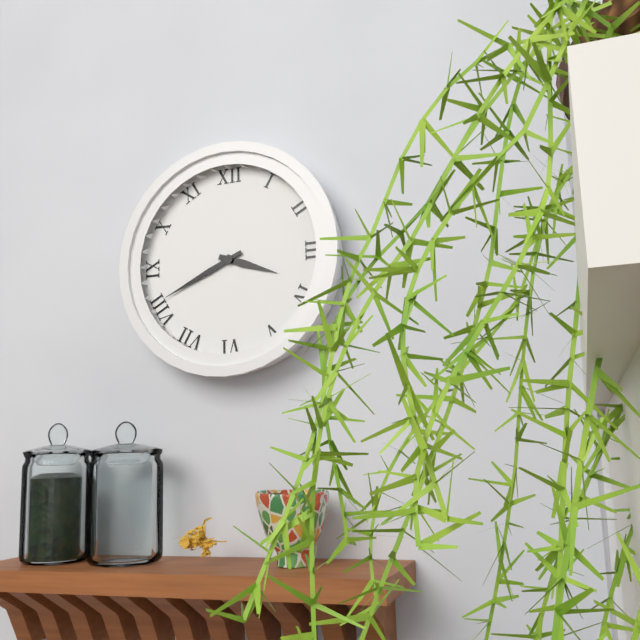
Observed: h=3 m=41
